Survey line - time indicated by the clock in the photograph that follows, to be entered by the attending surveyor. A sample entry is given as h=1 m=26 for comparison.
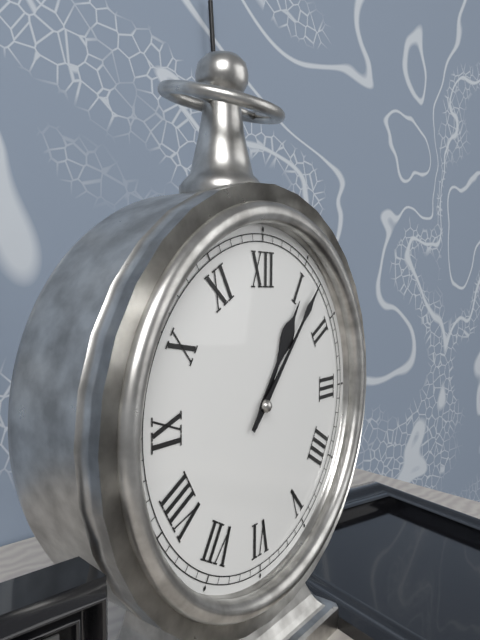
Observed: h=1 m=7
